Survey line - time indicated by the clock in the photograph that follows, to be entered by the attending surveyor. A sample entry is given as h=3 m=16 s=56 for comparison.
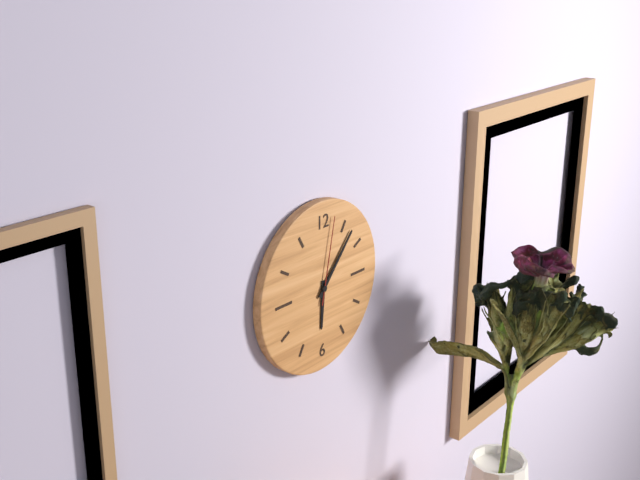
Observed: h=6 m=7 s=2
